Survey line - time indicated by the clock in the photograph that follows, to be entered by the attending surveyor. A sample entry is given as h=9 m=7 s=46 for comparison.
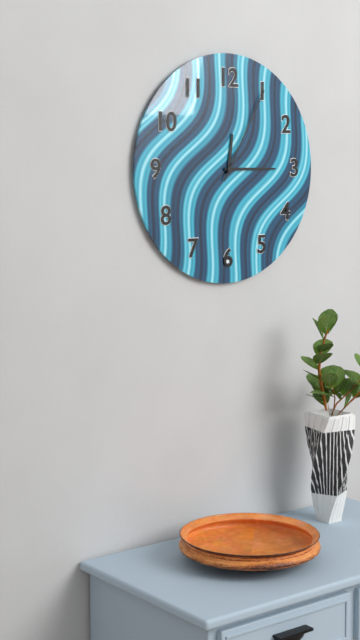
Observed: h=12 m=15 s=5
